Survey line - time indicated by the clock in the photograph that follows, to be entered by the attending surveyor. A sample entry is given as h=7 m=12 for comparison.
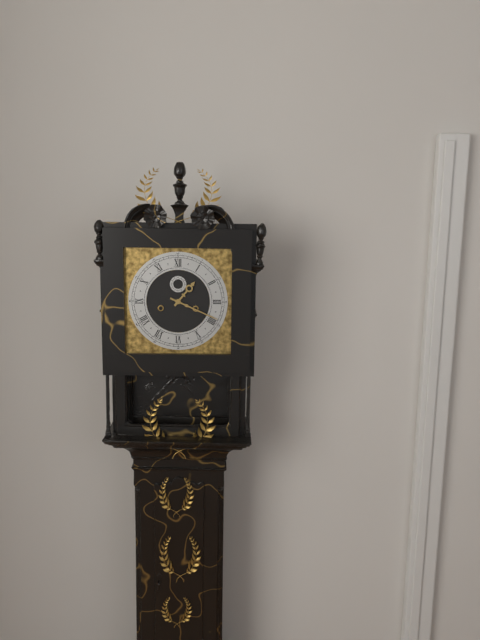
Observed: h=1 m=19
